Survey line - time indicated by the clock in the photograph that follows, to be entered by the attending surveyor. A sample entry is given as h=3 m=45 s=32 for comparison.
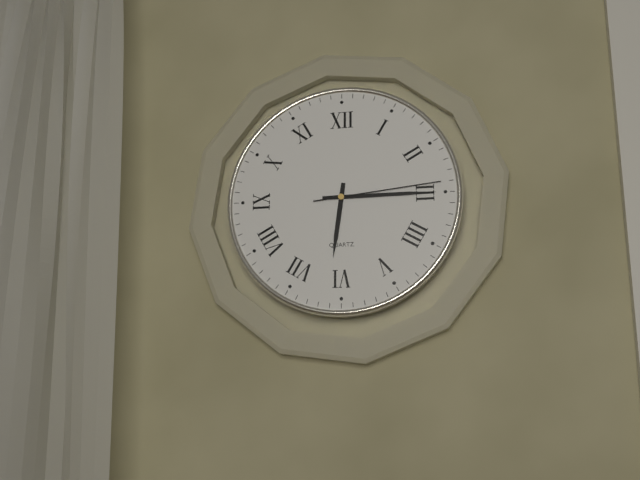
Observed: h=6 m=15 s=14
